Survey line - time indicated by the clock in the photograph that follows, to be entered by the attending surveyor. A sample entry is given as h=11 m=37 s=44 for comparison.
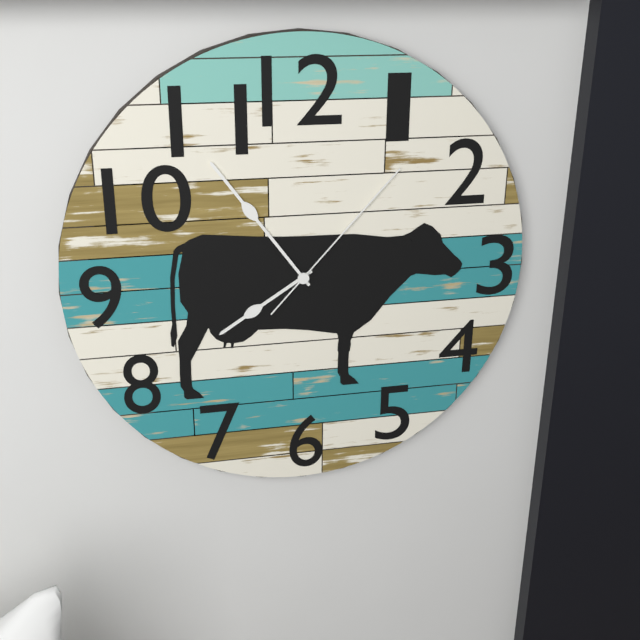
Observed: h=7 m=54 s=7
